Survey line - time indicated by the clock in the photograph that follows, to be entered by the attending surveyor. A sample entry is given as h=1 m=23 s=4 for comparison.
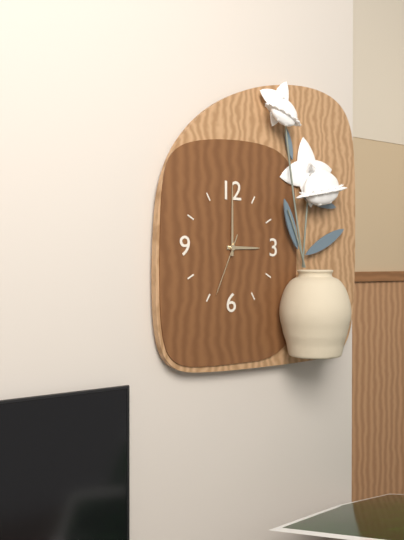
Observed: h=3 m=0 s=34
